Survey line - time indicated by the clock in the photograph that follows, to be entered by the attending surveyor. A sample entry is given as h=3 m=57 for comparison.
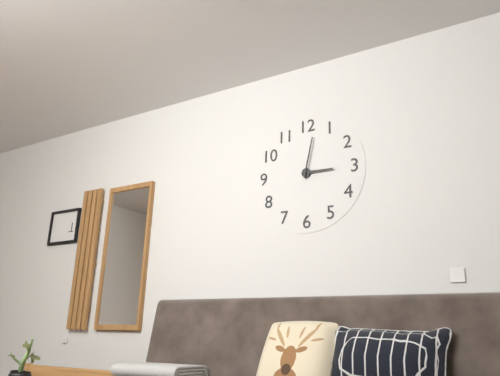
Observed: h=3 m=2
